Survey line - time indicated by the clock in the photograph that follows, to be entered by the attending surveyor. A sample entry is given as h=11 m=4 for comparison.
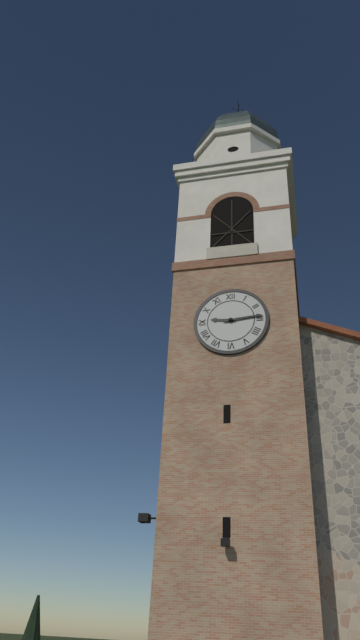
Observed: h=9 m=14
